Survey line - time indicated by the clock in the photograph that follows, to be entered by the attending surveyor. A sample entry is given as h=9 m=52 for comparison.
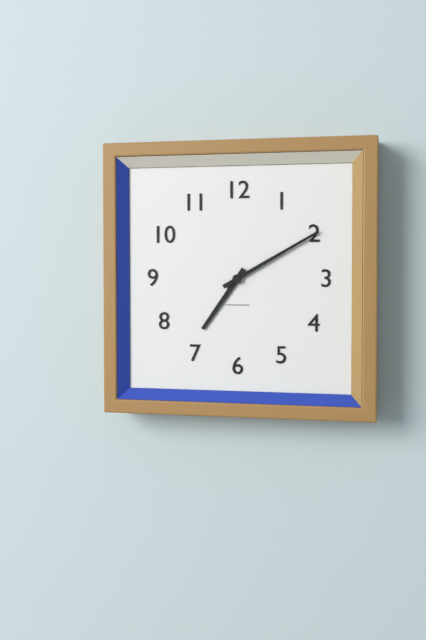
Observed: h=7 m=10
